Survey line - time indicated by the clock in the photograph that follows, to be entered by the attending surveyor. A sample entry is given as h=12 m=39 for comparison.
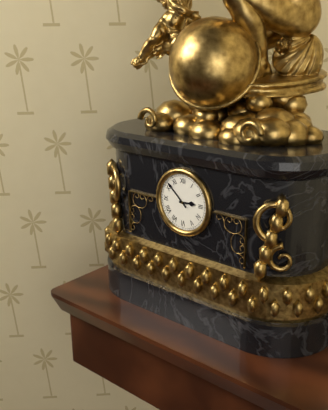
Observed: h=2 m=52
